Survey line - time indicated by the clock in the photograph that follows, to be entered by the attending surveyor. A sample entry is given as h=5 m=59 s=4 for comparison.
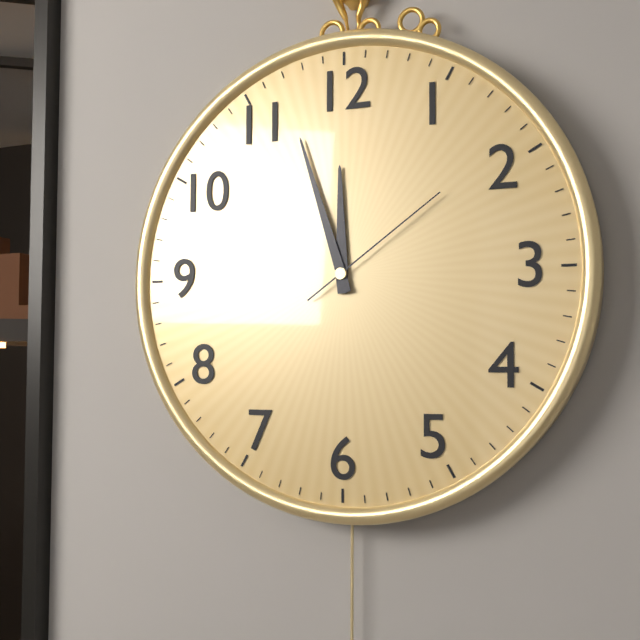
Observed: h=11 m=57 s=9
